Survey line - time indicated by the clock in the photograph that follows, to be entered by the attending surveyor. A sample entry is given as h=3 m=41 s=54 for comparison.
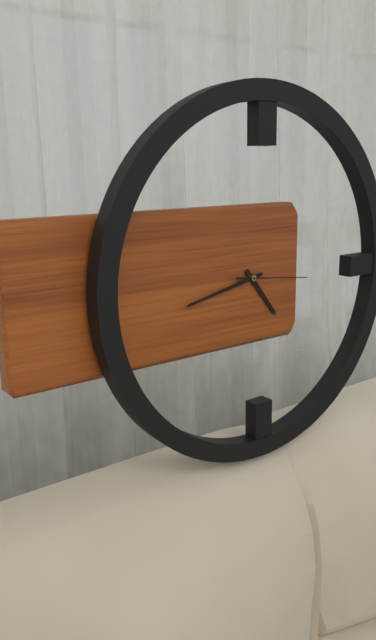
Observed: h=4 m=43 s=16
